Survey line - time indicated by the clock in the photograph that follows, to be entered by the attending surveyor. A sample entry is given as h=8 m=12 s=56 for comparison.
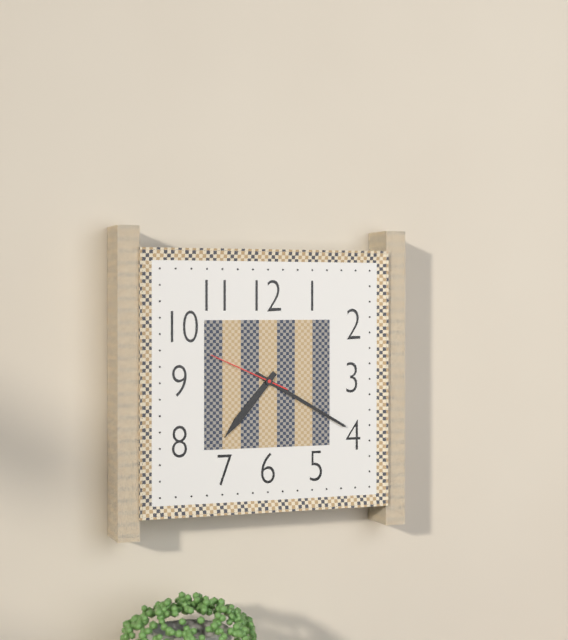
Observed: h=7 m=20 s=49
